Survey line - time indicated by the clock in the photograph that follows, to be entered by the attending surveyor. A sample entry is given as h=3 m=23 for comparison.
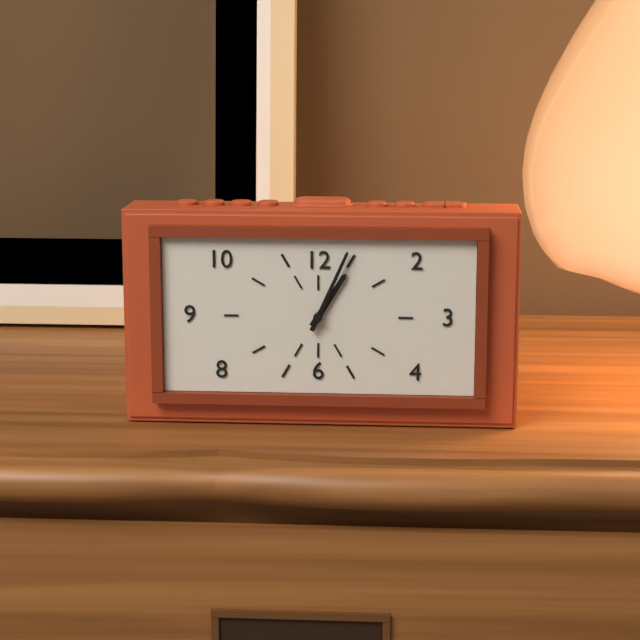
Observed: h=1 m=4
